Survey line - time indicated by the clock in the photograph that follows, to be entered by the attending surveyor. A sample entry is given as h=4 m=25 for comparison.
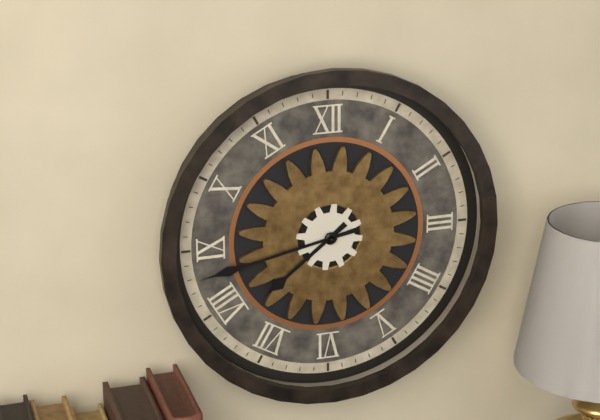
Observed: h=7 m=43
